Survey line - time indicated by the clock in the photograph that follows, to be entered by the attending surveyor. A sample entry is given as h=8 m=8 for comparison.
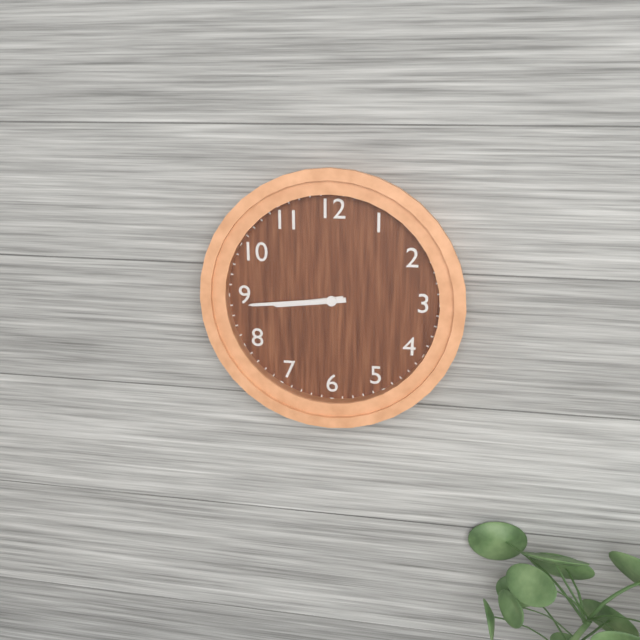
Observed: h=8 m=44
